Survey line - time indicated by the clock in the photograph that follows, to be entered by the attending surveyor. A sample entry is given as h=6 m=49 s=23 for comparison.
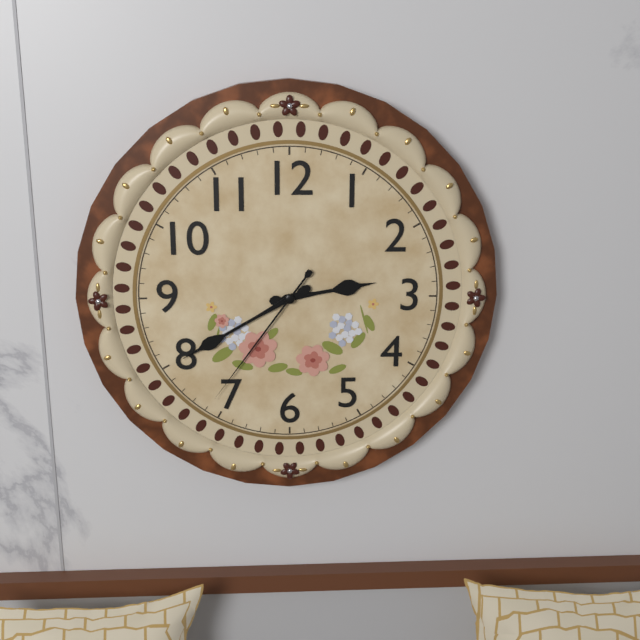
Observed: h=2 m=40 s=36
